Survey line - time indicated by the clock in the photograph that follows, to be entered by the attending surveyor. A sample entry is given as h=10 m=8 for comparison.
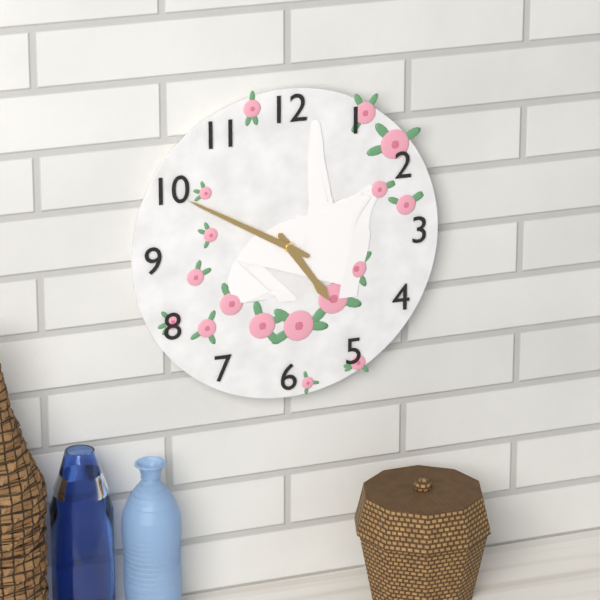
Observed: h=4 m=50
